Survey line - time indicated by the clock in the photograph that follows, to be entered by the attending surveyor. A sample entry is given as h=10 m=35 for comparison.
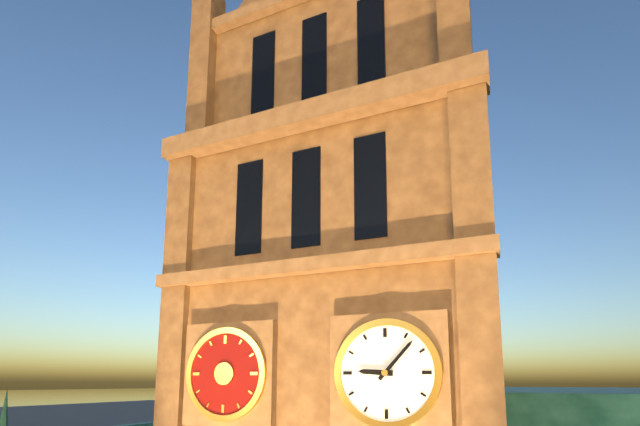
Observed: h=9 m=7
